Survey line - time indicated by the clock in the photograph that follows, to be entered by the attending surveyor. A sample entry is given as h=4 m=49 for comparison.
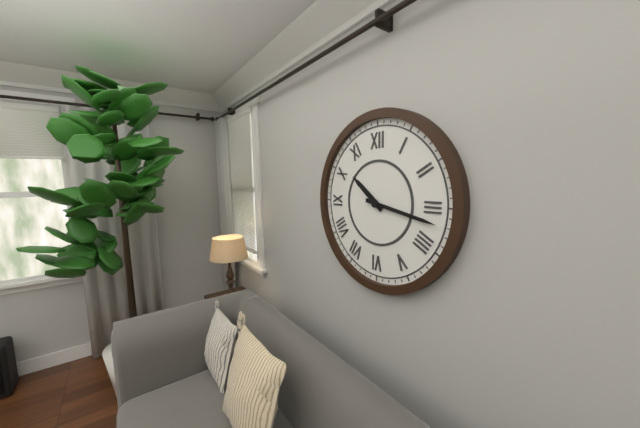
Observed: h=10 m=17
